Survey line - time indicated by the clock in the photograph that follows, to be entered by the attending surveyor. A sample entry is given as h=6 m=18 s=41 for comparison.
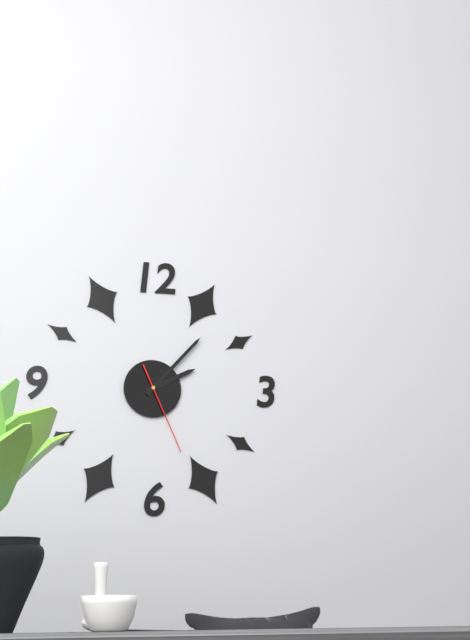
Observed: h=2 m=7 s=26
